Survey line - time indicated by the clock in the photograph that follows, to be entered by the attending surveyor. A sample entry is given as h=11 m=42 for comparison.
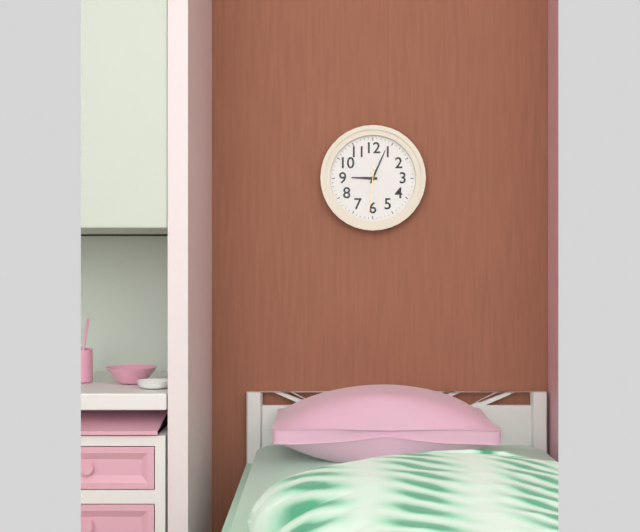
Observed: h=9 m=4
